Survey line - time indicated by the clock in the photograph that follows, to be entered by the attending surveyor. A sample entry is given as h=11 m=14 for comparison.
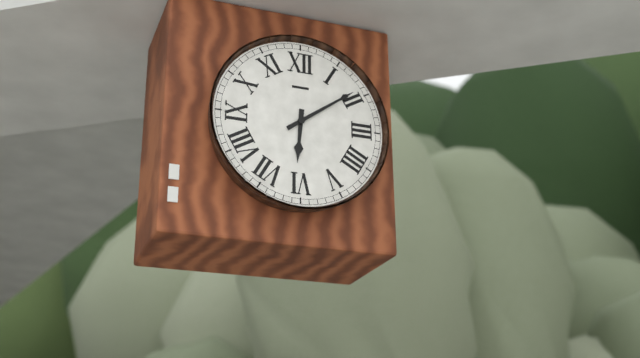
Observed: h=6 m=9
